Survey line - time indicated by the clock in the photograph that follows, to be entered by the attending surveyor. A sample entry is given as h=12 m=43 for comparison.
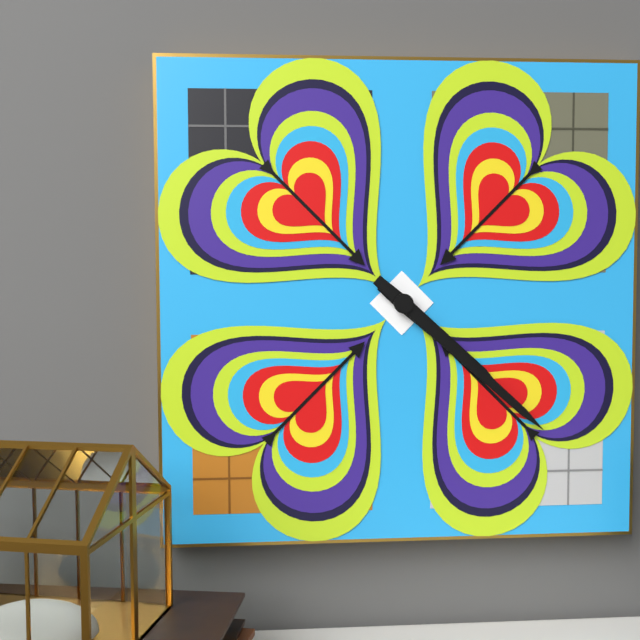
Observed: h=4 m=22
